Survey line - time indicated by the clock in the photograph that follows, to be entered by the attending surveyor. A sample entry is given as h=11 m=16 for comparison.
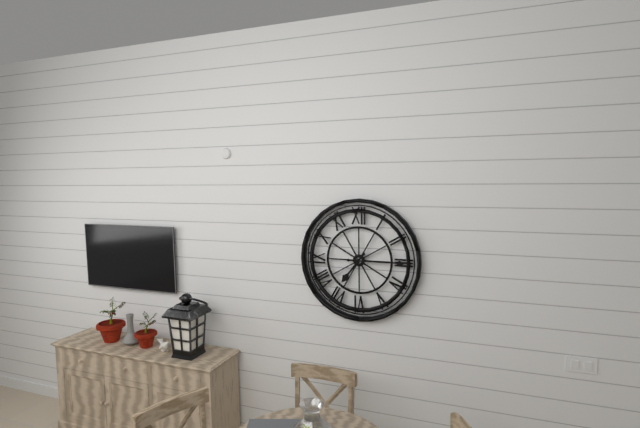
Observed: h=7 m=15
